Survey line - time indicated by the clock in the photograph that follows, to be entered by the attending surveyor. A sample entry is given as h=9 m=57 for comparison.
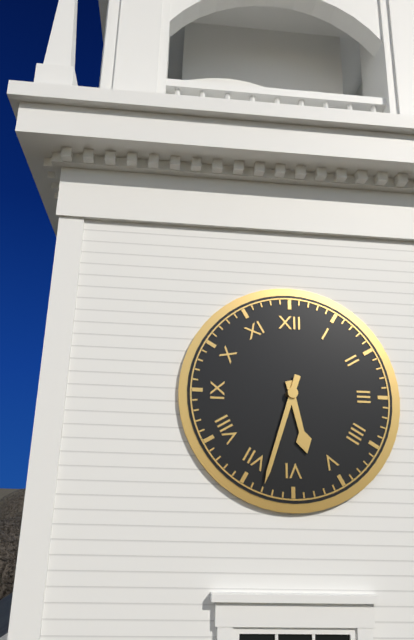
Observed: h=5 m=33
